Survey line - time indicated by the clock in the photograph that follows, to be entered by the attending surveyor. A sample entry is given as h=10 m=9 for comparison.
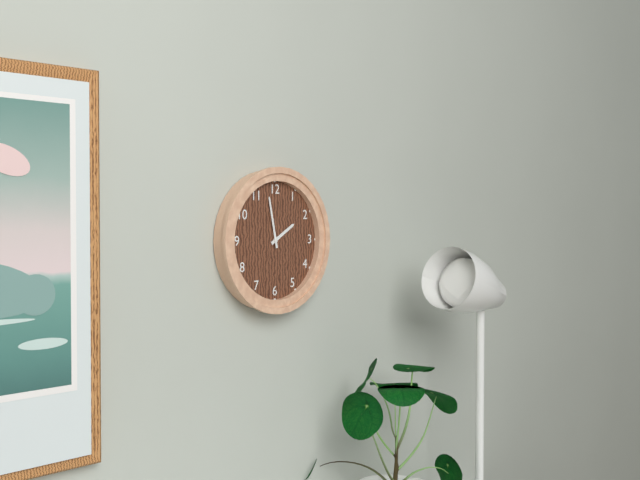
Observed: h=1 m=58
